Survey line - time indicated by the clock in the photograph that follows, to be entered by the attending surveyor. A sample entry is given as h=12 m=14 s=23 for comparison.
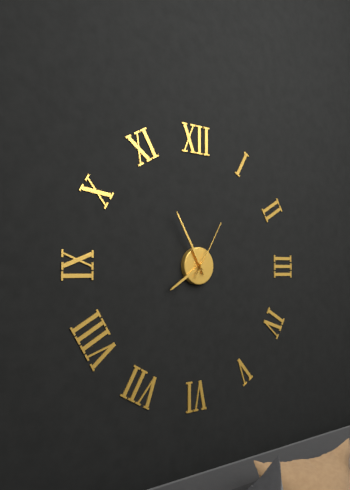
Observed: h=7 m=55 s=5
